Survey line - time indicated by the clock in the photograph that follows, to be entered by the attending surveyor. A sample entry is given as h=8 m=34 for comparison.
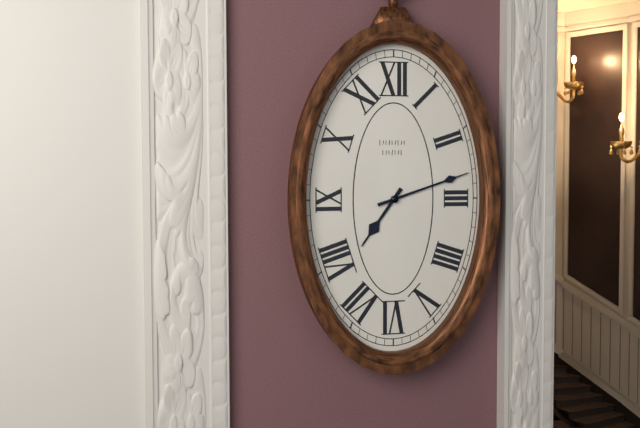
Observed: h=7 m=12
